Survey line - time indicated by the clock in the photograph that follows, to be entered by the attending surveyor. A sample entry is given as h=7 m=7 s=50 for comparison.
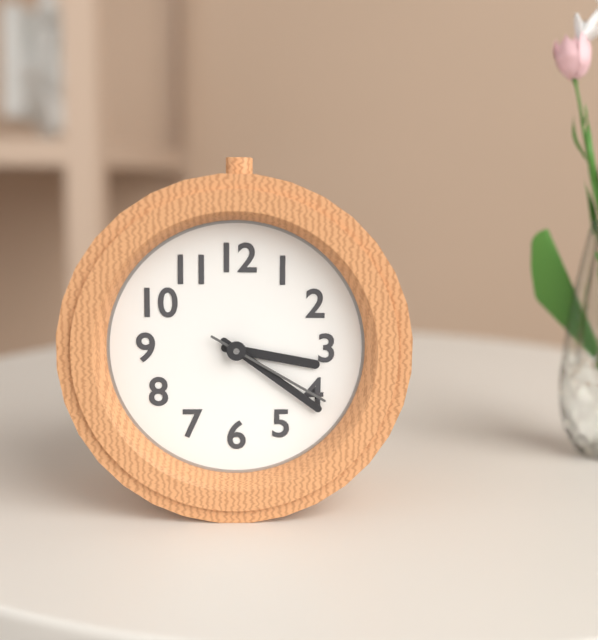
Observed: h=3 m=21 s=20
